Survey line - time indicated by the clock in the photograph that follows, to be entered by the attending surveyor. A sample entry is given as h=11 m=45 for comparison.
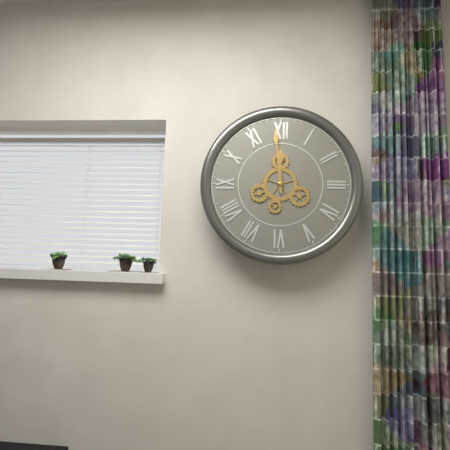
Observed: h=11 m=59
